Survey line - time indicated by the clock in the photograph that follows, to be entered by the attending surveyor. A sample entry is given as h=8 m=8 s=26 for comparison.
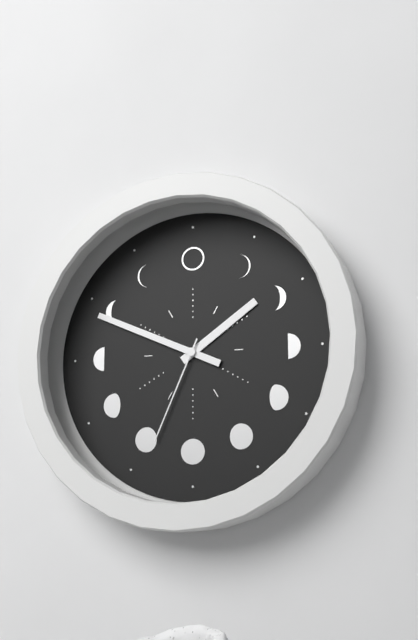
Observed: h=1 m=49 s=34
